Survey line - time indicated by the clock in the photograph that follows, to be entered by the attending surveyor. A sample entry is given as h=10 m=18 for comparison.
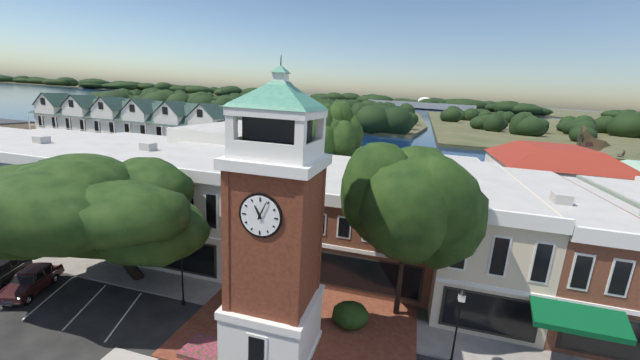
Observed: h=11 m=4
